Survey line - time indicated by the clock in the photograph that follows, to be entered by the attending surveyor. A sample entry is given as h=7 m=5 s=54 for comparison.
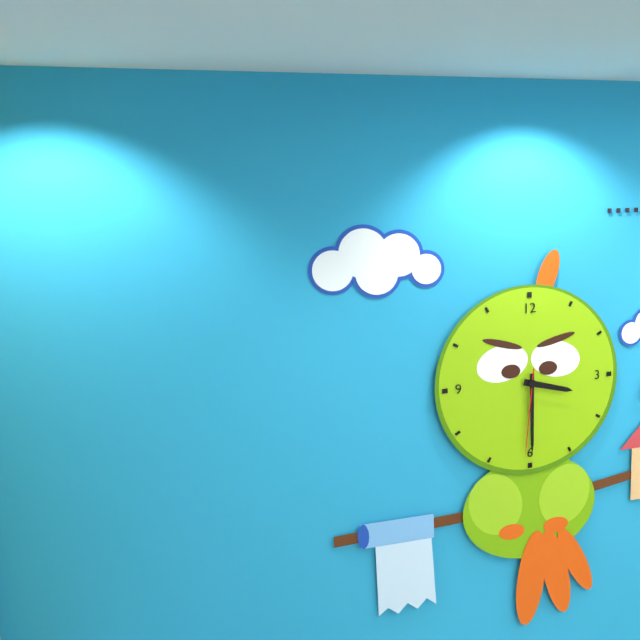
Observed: h=3 m=30 s=31
